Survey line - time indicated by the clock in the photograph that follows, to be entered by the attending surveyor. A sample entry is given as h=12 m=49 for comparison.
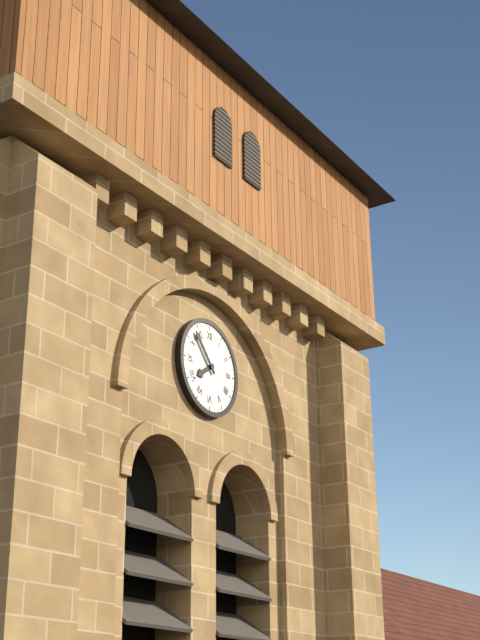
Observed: h=7 m=53
